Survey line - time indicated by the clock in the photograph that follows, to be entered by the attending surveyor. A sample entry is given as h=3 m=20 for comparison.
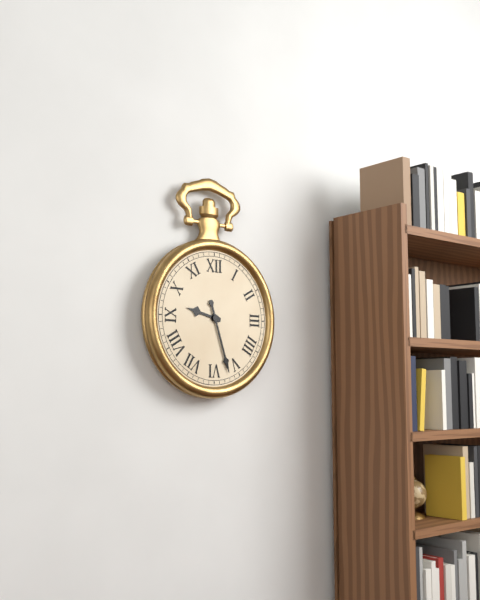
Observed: h=9 m=27
